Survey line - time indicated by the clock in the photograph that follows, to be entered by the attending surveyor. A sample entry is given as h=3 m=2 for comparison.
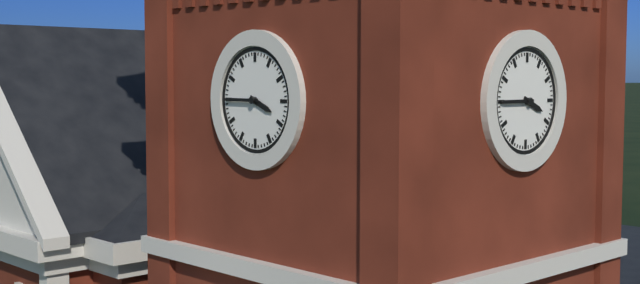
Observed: h=3 m=45
